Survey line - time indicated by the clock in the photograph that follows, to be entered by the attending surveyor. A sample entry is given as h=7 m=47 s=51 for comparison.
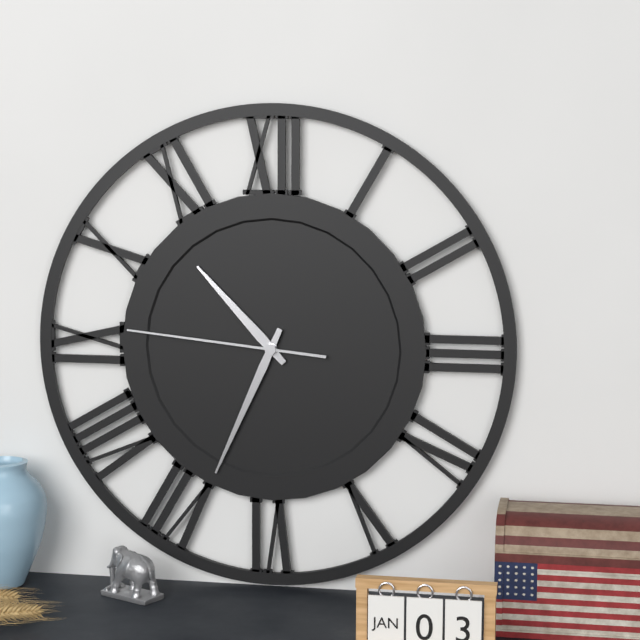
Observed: h=10 m=34 s=46
